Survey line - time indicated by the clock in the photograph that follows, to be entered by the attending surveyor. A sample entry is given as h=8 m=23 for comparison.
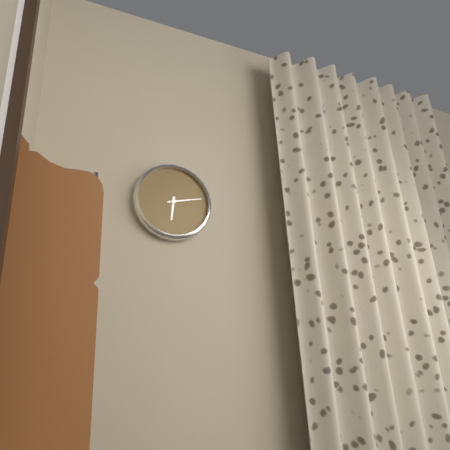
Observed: h=6 m=13
